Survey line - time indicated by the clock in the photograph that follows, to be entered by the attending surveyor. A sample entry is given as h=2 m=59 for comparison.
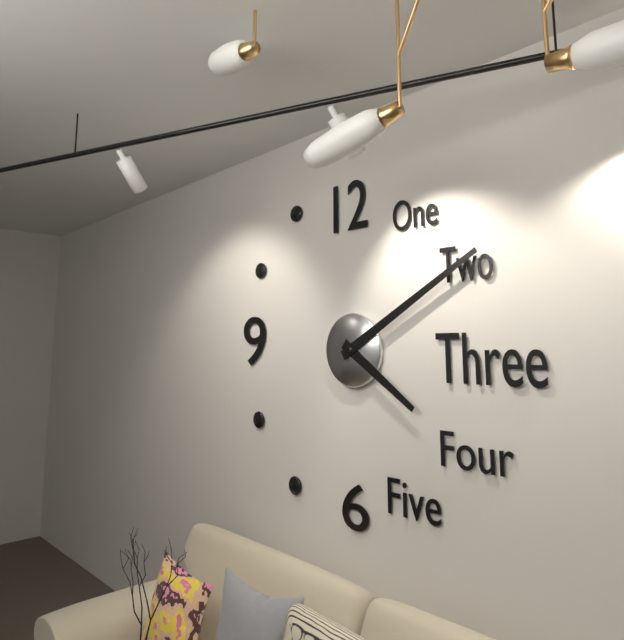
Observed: h=4 m=10
